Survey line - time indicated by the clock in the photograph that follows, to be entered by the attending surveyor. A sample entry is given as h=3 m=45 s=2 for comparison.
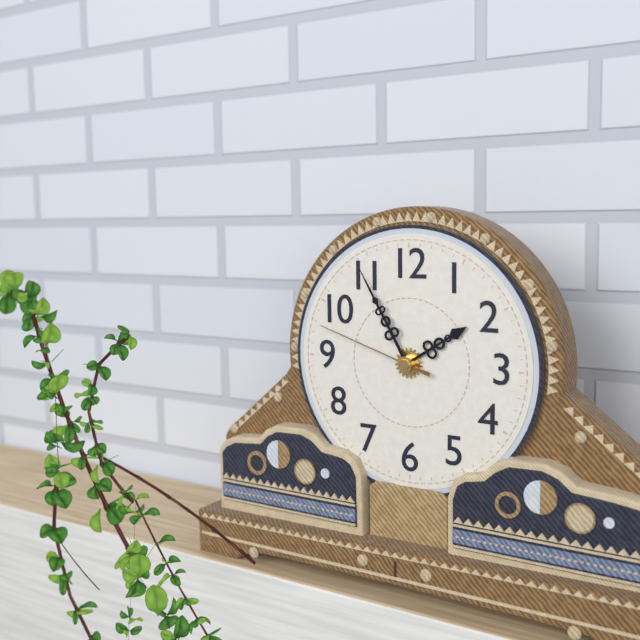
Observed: h=1 m=55 s=48
